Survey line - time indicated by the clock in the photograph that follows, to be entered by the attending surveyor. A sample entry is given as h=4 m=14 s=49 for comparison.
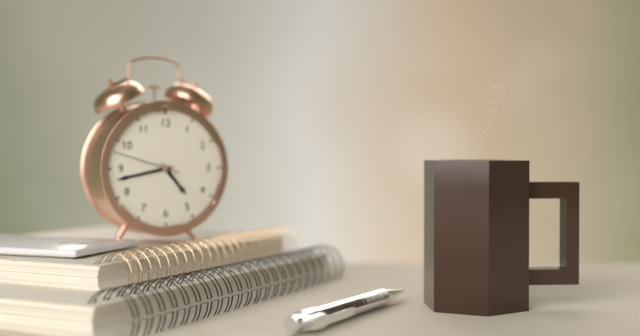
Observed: h=4 m=43 s=48
